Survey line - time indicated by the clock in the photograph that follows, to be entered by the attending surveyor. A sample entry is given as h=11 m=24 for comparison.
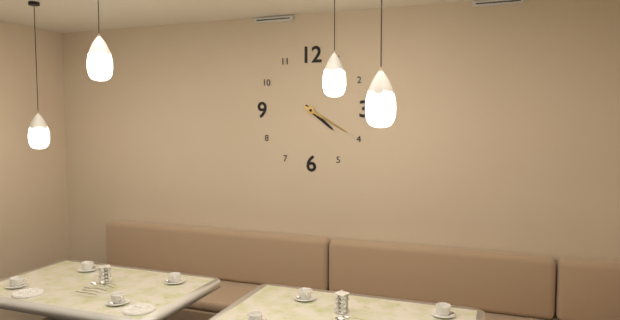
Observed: h=4 m=20
